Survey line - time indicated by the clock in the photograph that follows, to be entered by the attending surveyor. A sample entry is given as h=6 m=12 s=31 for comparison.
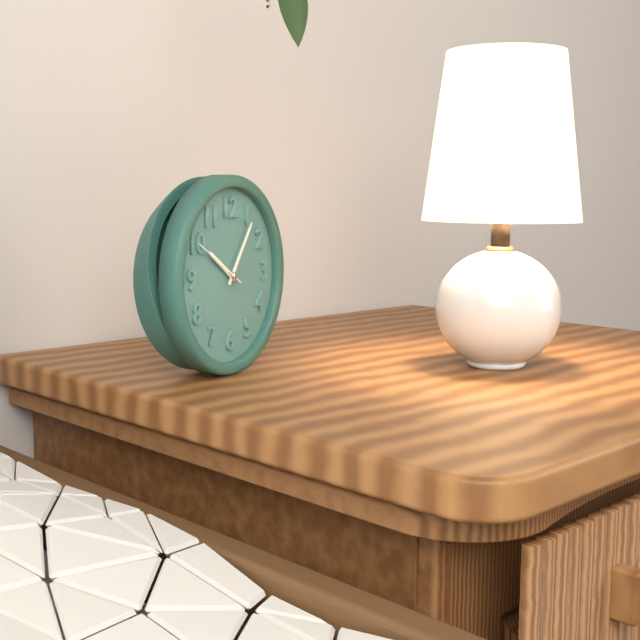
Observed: h=10 m=6 s=50
